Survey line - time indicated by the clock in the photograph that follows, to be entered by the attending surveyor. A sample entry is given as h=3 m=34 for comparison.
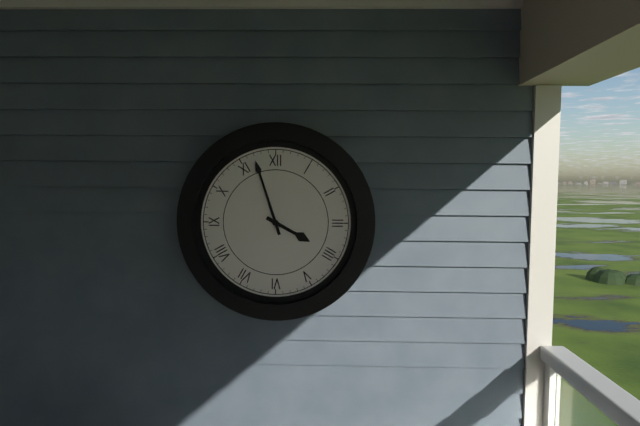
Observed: h=3 m=57
